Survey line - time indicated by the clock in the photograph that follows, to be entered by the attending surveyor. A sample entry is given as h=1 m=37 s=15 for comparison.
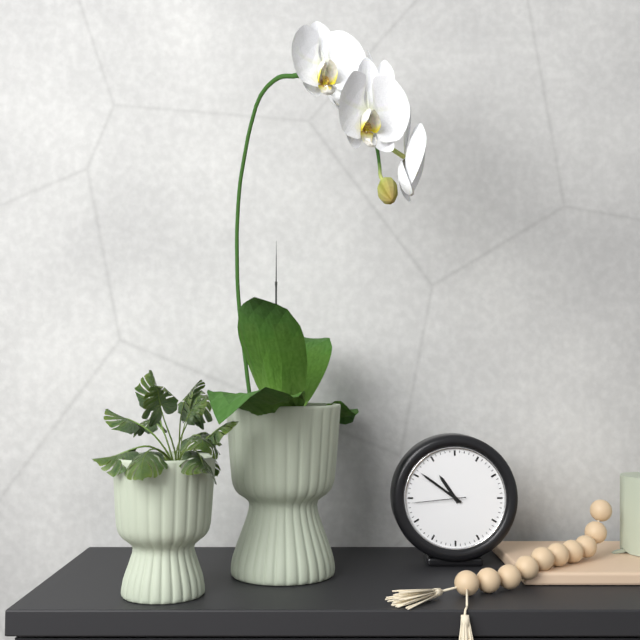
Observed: h=10 m=51 s=44
